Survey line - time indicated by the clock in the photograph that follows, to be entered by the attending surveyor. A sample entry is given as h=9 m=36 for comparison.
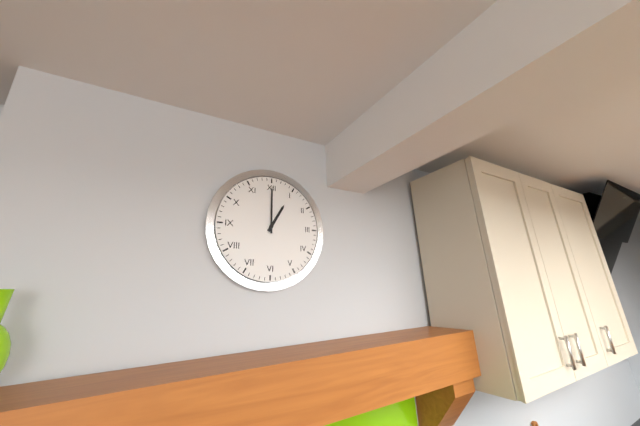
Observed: h=1 m=0
